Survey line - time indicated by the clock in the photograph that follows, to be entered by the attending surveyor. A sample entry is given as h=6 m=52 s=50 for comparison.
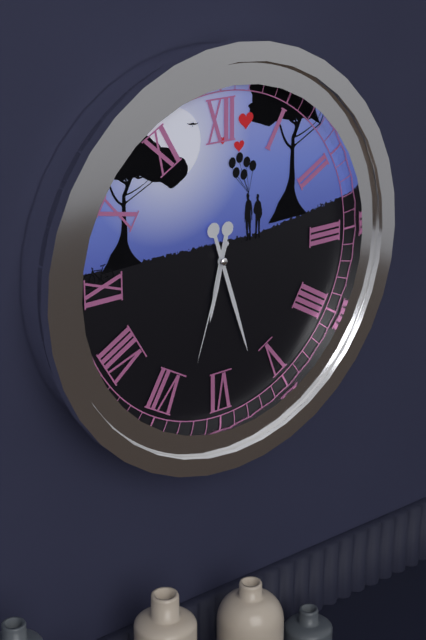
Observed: h=6 m=27 s=33
